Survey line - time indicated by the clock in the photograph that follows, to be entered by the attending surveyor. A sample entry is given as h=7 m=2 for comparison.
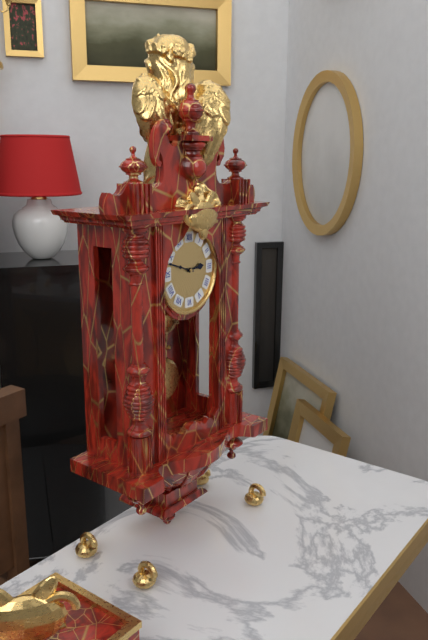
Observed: h=2 m=48
